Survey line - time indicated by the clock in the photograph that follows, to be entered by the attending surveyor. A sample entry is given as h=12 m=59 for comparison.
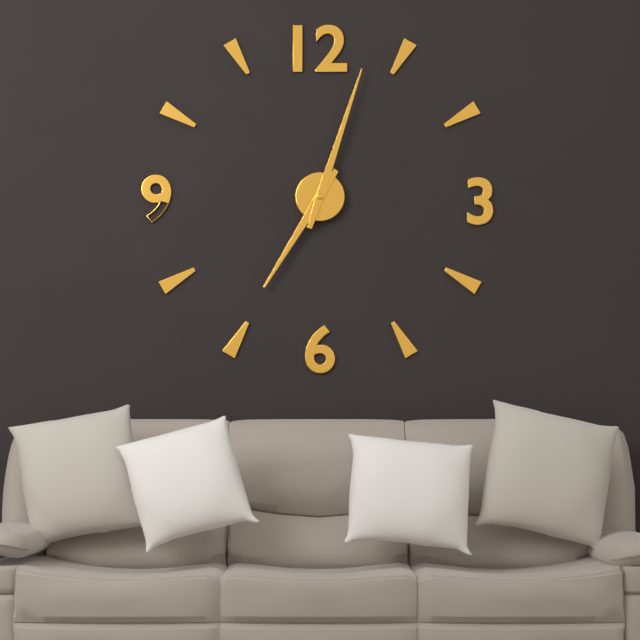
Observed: h=7 m=3
